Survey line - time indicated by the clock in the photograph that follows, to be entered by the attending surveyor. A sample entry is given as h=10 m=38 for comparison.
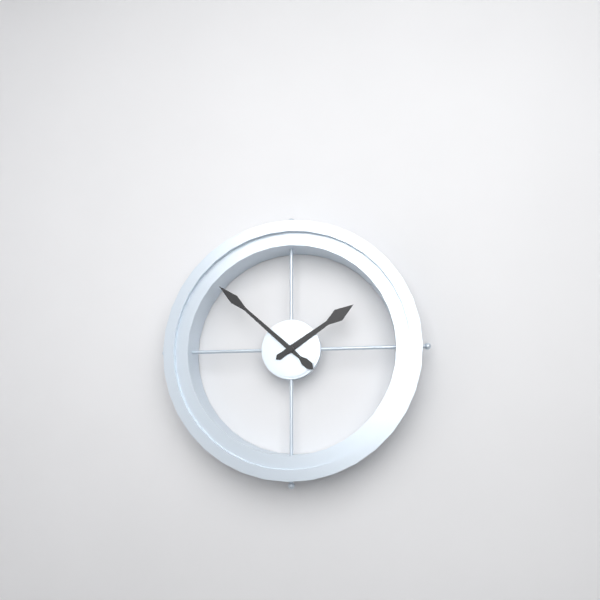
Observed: h=1 m=52
